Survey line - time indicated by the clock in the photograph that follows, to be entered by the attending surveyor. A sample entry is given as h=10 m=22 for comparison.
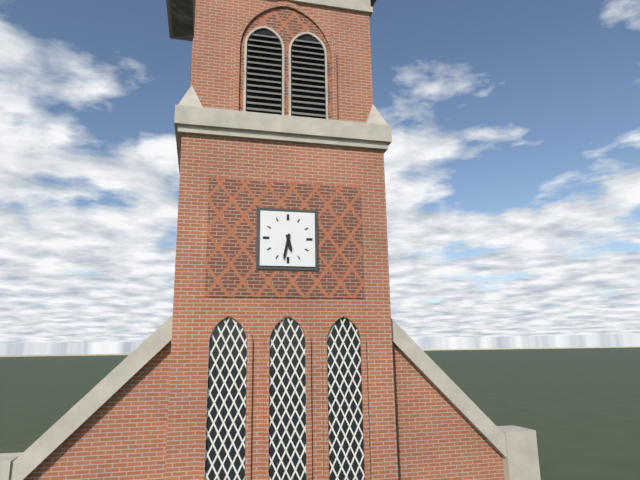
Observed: h=5 m=32
